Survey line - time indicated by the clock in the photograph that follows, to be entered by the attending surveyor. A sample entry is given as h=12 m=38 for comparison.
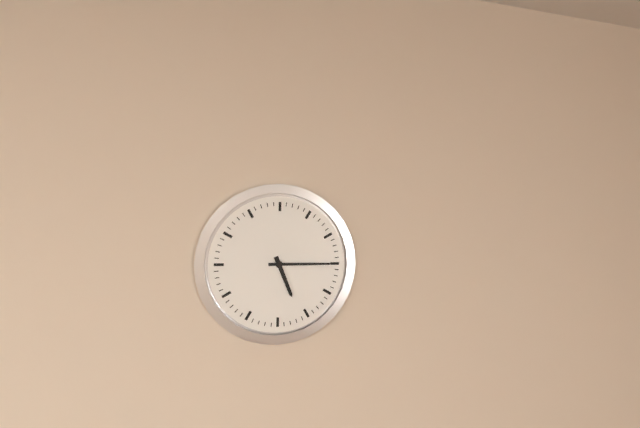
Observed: h=5 m=15
